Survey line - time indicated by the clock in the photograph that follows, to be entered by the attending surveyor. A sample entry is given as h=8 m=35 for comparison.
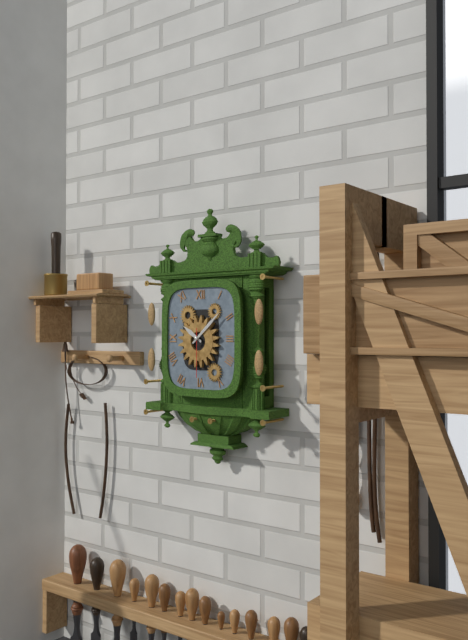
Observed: h=10 m=8
